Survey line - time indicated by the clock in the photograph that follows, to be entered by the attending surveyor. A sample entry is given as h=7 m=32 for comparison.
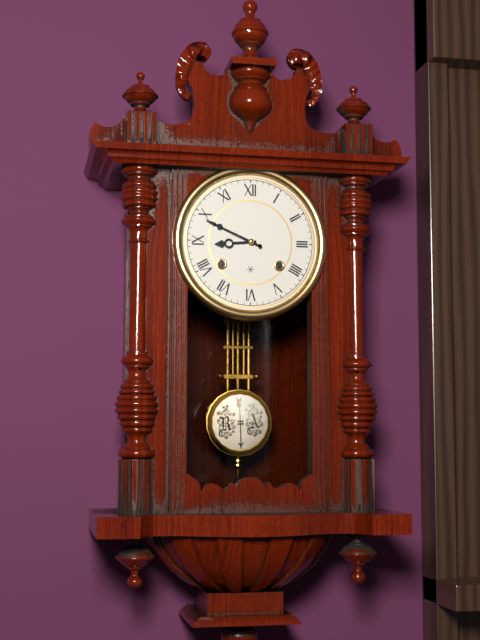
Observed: h=8 m=49
